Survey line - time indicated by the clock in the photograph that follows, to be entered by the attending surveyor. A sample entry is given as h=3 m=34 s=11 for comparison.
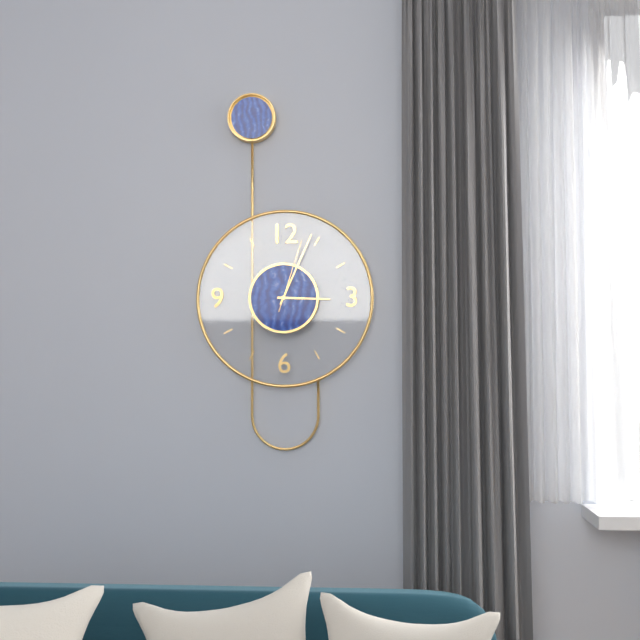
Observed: h=3 m=4 s=3
